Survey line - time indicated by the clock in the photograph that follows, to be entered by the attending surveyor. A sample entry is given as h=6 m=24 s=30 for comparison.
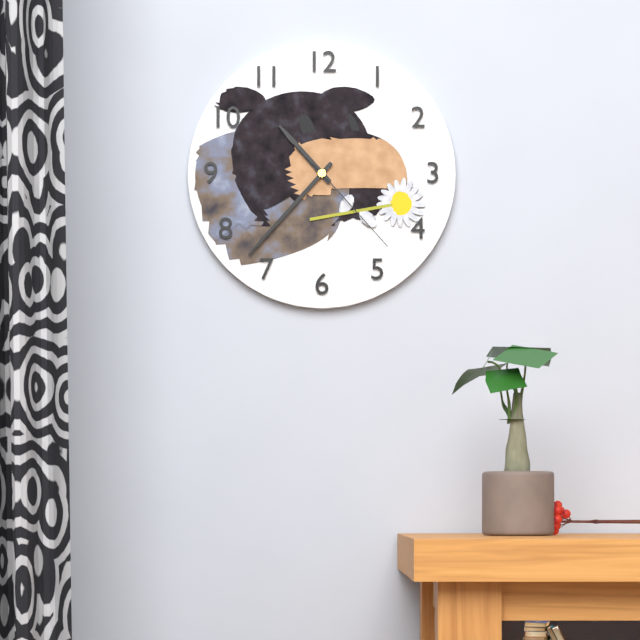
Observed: h=10 m=37 s=23
